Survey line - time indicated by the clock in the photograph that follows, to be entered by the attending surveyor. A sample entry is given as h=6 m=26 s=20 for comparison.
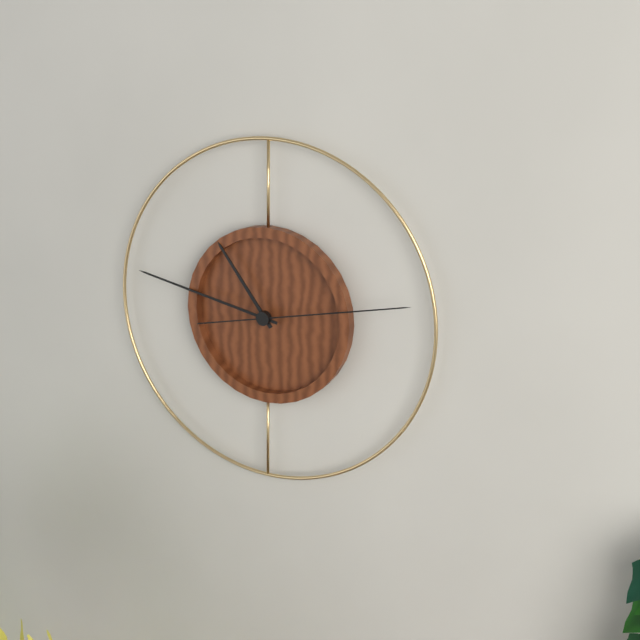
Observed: h=10 m=47 s=13
